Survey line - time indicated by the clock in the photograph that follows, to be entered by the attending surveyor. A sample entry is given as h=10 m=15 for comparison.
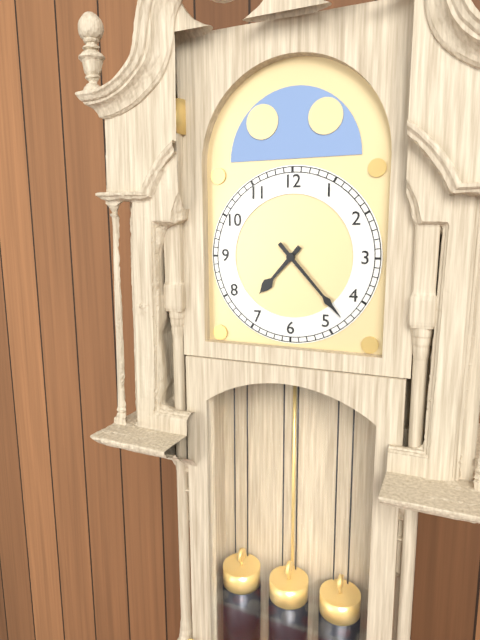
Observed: h=7 m=23
